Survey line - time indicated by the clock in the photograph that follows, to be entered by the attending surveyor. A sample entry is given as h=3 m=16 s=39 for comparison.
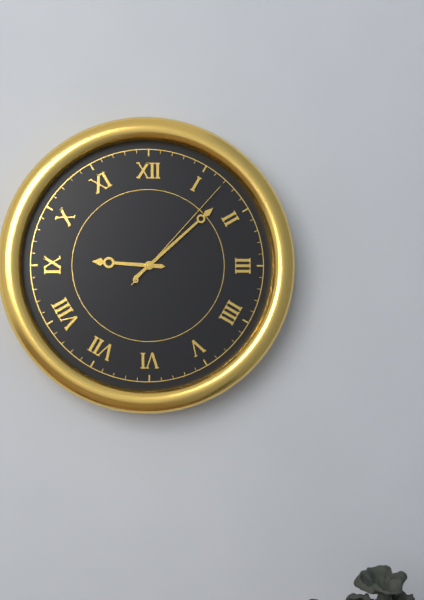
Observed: h=9 m=8 s=7
